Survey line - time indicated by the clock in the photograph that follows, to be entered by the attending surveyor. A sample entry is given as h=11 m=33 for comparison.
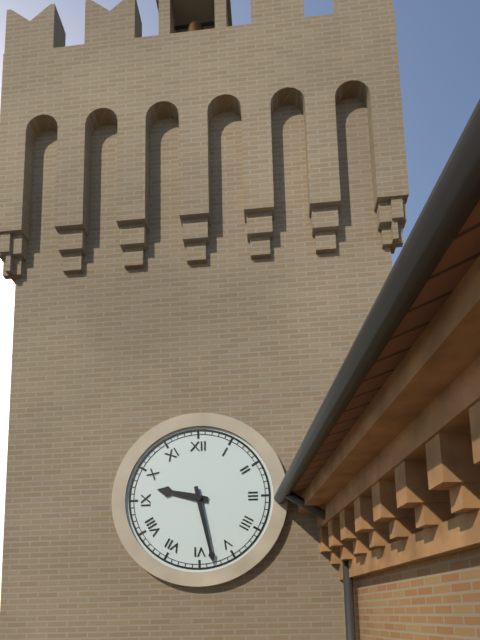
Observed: h=9 m=28
